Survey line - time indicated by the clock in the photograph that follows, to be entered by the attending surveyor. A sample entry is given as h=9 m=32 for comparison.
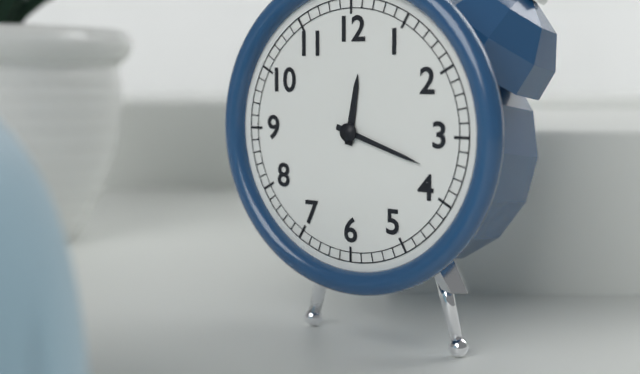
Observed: h=12 m=18
